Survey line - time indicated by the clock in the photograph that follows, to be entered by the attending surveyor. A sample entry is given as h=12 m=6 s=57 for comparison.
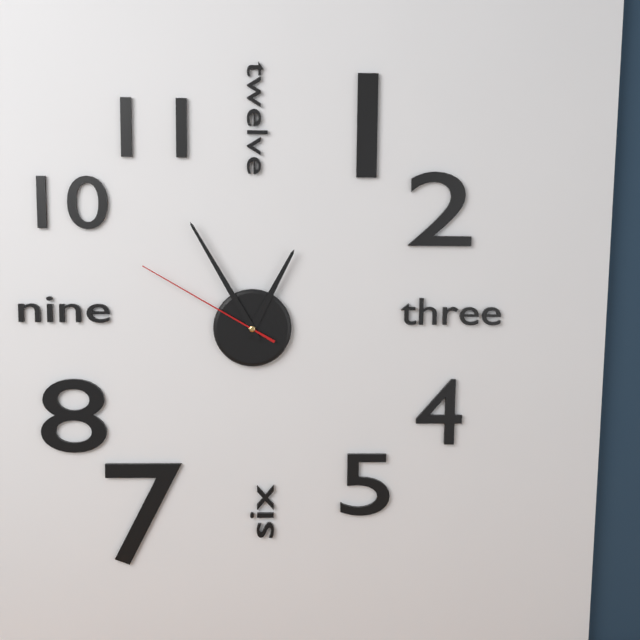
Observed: h=12 m=55 s=50
